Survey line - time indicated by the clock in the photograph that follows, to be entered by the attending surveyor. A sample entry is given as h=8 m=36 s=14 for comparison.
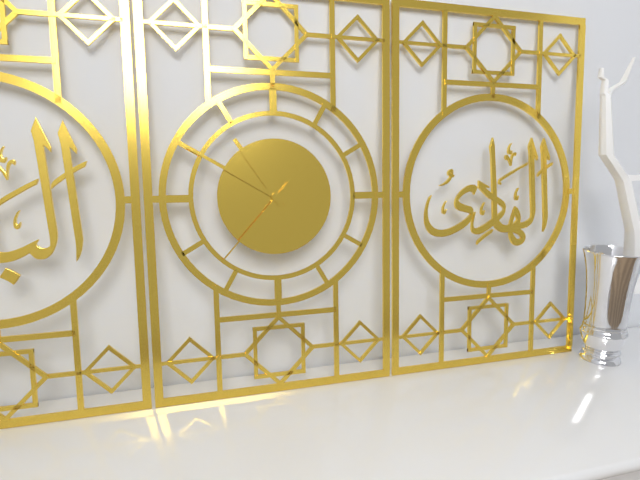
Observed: h=10 m=50 s=37
